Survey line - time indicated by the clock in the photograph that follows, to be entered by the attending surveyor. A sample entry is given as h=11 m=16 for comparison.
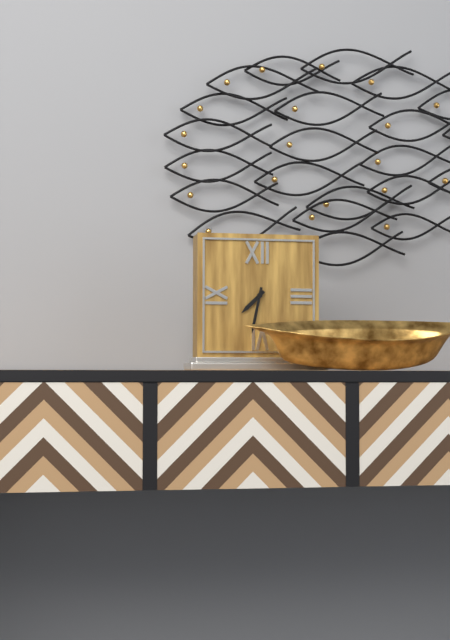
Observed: h=7 m=32
